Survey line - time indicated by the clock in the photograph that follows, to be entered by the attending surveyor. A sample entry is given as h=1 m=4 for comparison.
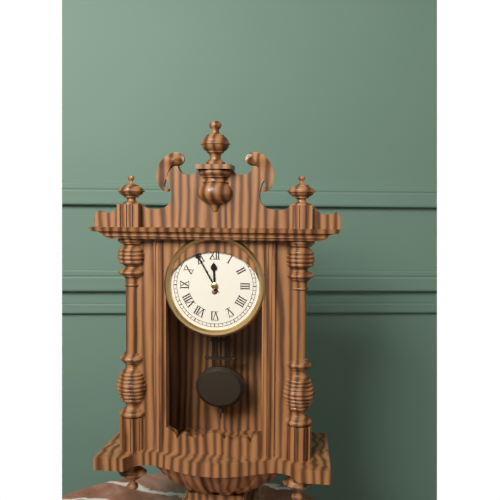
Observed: h=11 m=55
